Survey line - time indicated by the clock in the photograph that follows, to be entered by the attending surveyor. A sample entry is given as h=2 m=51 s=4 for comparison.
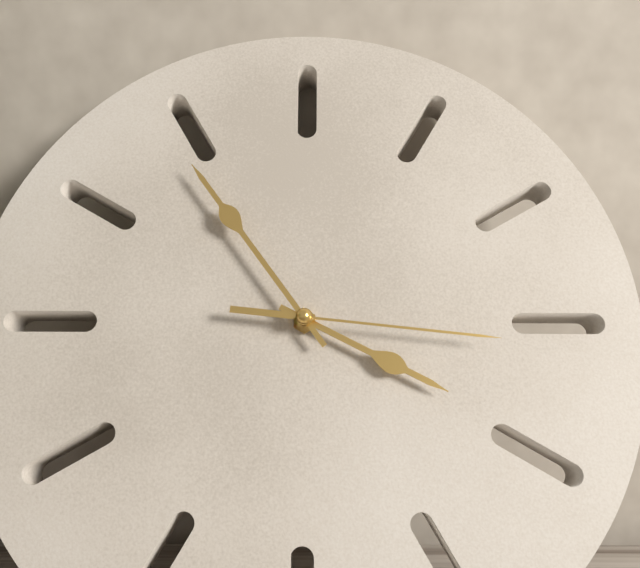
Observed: h=3 m=54 s=16
